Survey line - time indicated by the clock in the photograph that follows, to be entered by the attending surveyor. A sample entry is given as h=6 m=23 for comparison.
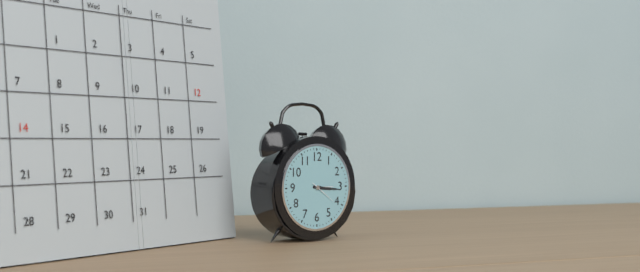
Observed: h=3 m=16
